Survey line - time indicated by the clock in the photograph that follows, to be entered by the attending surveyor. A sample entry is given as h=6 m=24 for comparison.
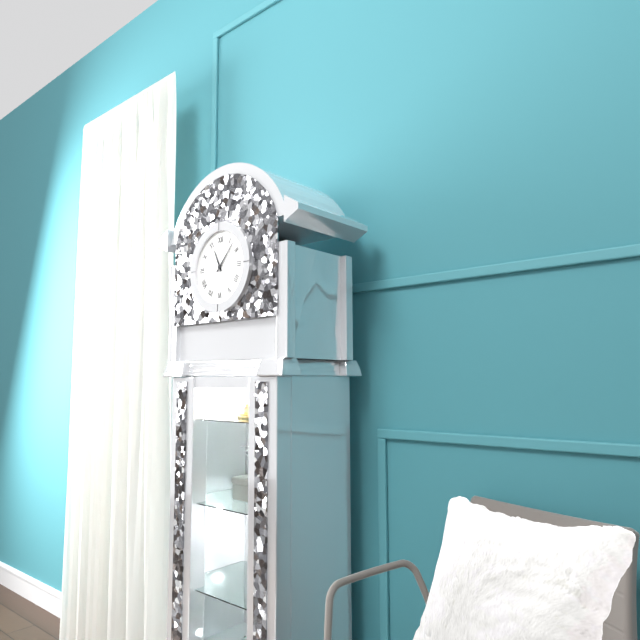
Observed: h=11 m=7
